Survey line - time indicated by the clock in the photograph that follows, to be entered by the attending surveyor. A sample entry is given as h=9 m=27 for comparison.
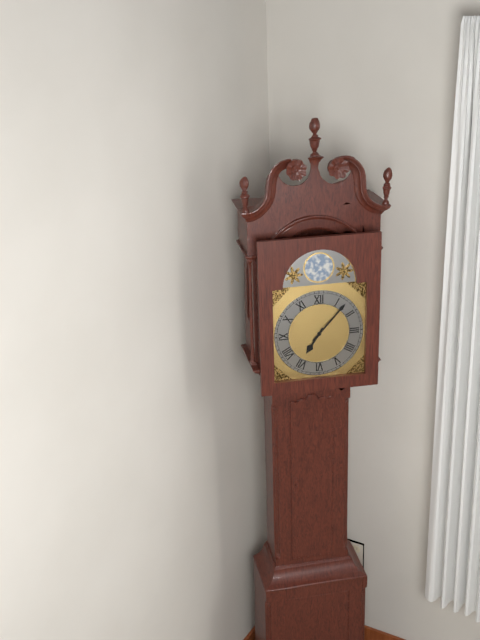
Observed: h=7 m=7
